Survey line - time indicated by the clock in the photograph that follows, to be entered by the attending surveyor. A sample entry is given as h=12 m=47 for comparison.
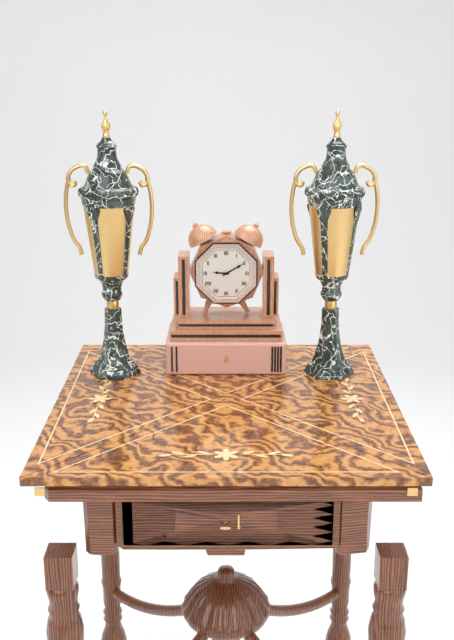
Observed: h=9 m=10
